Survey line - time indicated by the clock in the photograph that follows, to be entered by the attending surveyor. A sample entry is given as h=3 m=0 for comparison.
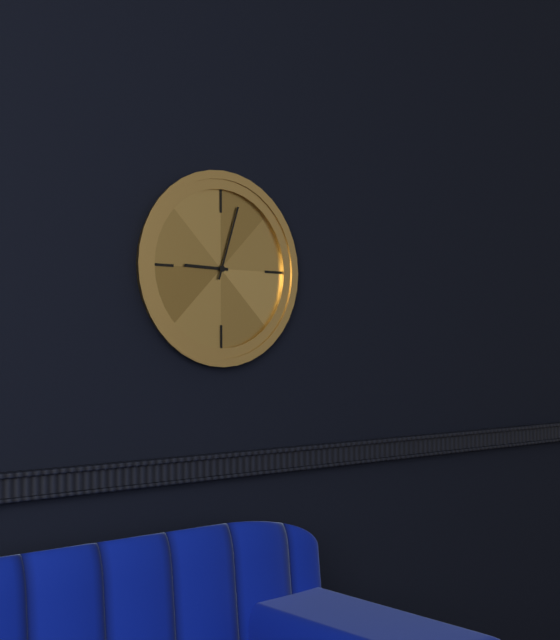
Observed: h=9 m=3
